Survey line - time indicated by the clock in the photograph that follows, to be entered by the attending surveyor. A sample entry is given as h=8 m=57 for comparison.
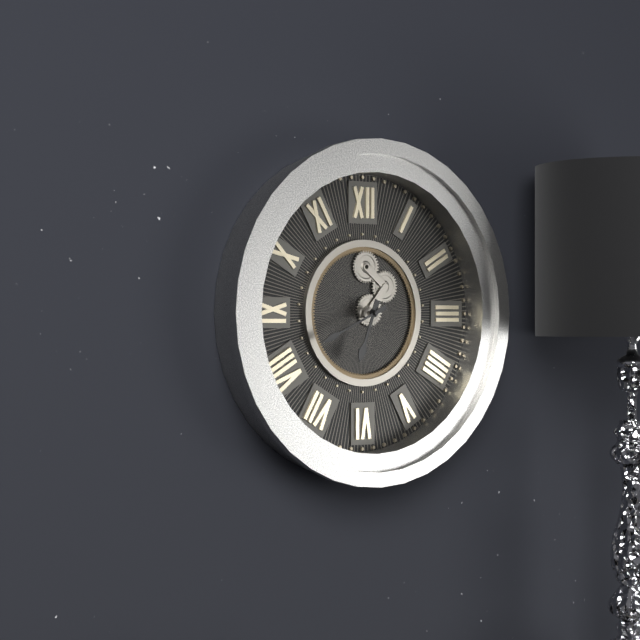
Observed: h=6 m=41
